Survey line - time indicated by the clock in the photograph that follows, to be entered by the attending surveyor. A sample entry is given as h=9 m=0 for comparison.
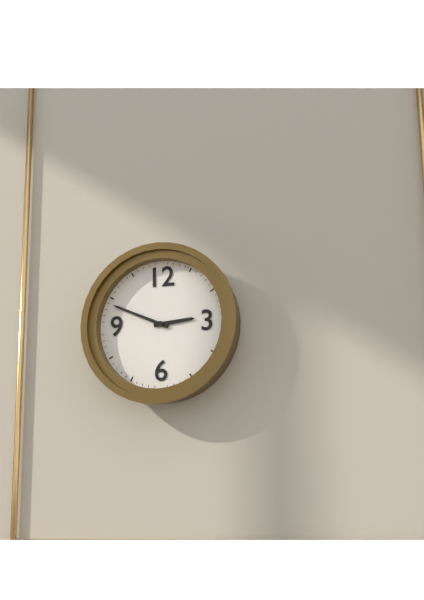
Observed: h=2 m=49
